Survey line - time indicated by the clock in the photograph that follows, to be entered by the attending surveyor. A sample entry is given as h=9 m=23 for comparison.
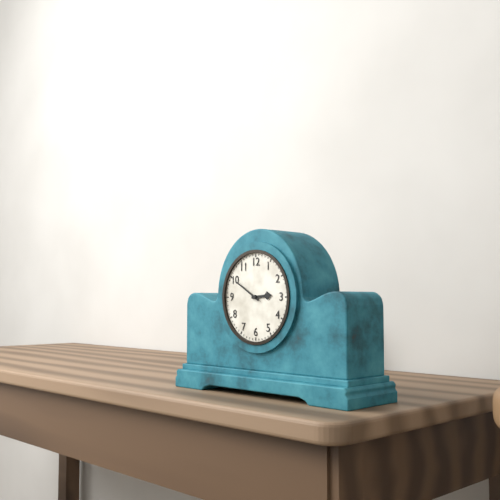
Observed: h=2 m=50
